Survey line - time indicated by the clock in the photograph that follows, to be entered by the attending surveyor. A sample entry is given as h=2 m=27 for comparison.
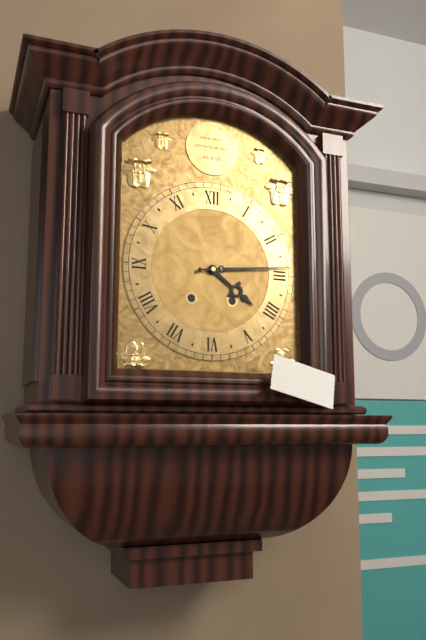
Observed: h=4 m=14
